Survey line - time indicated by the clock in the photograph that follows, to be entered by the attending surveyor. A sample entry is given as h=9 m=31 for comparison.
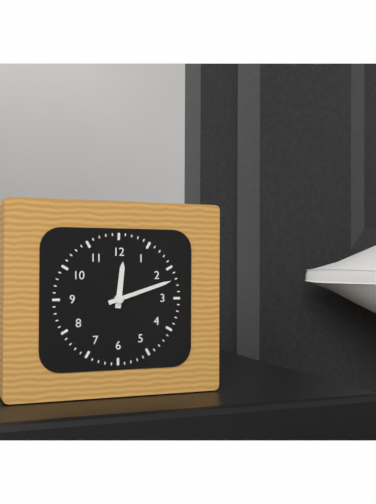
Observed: h=12 m=12
